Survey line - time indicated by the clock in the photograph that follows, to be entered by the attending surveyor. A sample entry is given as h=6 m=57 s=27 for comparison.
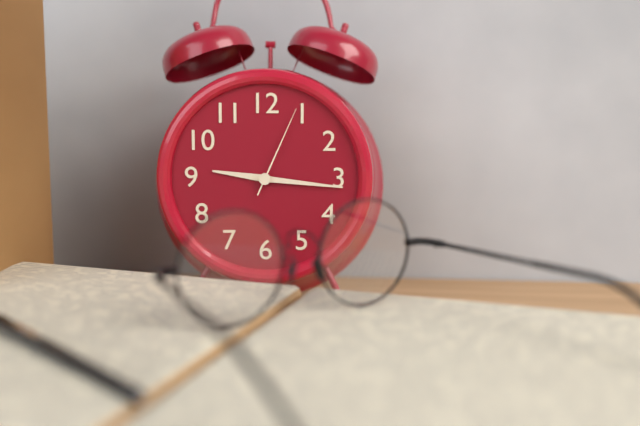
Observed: h=9 m=16 s=4
